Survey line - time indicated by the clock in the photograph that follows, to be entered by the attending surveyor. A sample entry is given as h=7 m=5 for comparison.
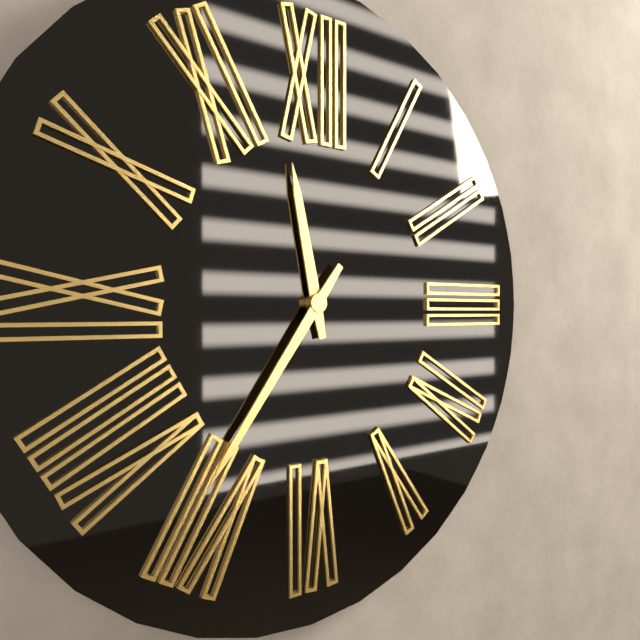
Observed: h=11 m=36
